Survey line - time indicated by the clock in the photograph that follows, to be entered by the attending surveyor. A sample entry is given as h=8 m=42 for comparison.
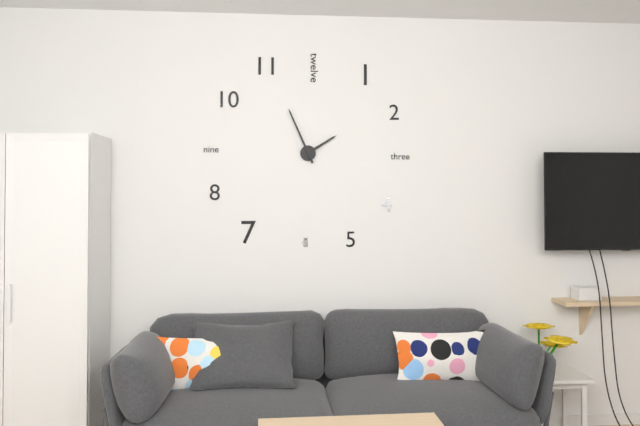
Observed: h=1 m=56
